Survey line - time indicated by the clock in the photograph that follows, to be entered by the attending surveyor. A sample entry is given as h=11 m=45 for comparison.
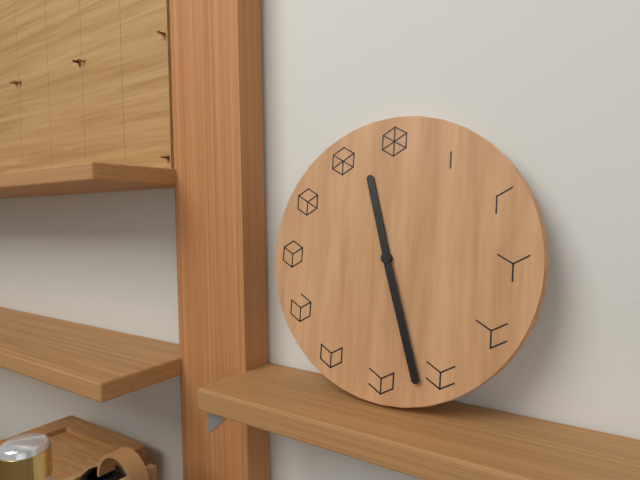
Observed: h=11 m=27
